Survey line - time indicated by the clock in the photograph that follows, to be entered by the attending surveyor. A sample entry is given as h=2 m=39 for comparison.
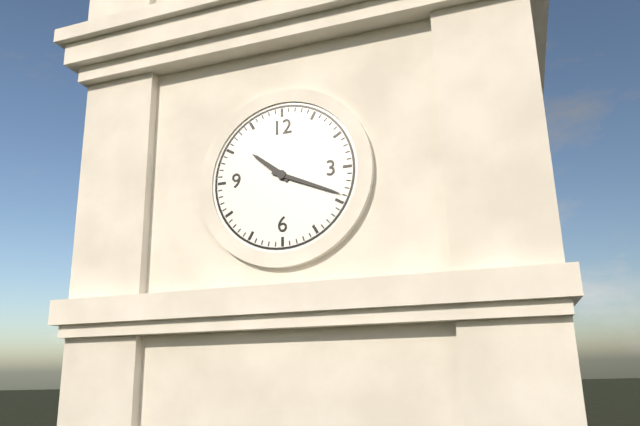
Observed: h=10 m=19
